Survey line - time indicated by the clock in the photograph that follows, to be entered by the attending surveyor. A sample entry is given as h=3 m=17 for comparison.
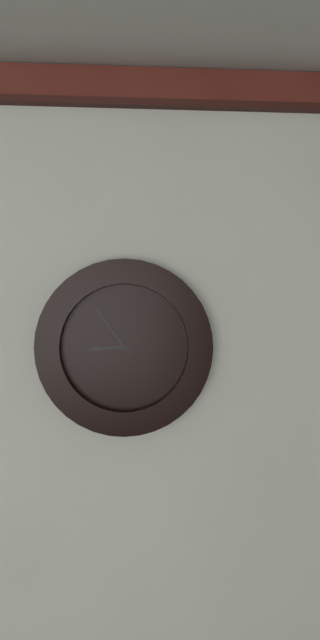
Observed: h=8 m=54
